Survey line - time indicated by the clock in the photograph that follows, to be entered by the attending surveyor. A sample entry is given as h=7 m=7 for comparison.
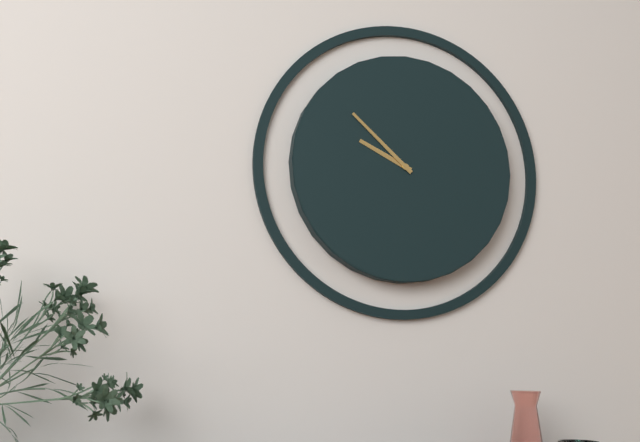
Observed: h=9 m=52
